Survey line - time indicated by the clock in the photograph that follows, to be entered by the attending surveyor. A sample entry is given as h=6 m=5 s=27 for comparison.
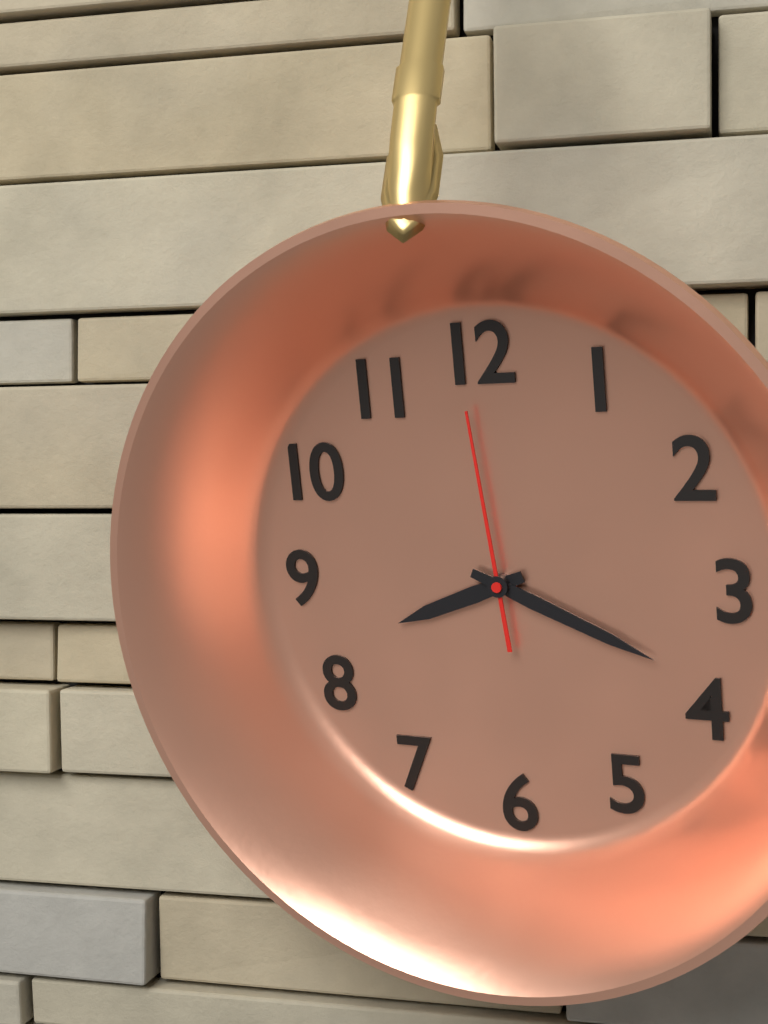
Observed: h=8 m=19 s=59
